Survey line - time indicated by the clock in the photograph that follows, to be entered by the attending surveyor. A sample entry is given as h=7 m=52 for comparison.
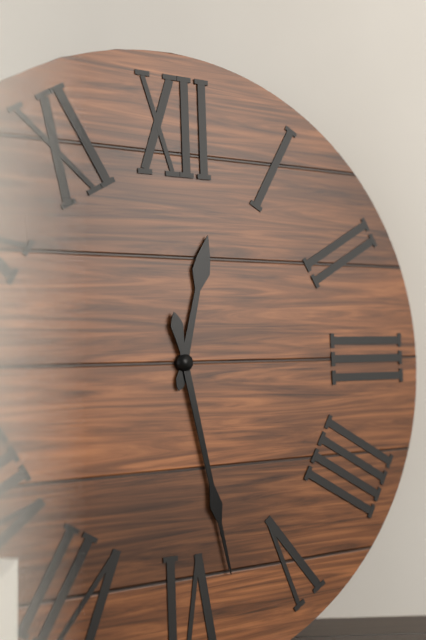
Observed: h=12 m=28
